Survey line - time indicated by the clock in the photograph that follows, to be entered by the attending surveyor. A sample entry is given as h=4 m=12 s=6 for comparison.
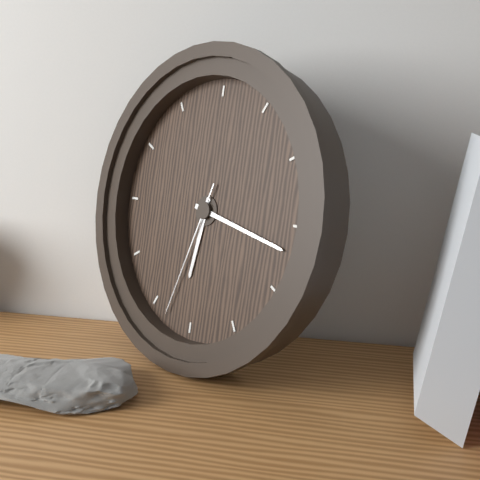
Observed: h=6 m=17 s=33
